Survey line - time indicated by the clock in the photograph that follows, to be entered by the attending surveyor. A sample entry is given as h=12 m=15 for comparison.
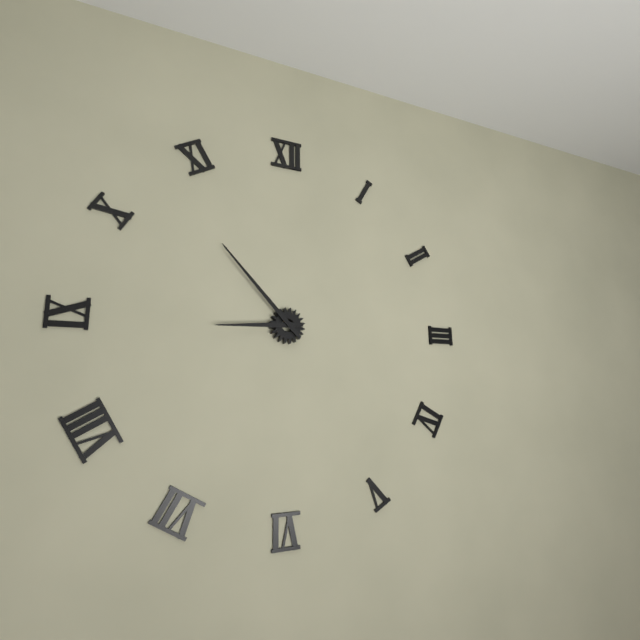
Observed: h=8 m=53
